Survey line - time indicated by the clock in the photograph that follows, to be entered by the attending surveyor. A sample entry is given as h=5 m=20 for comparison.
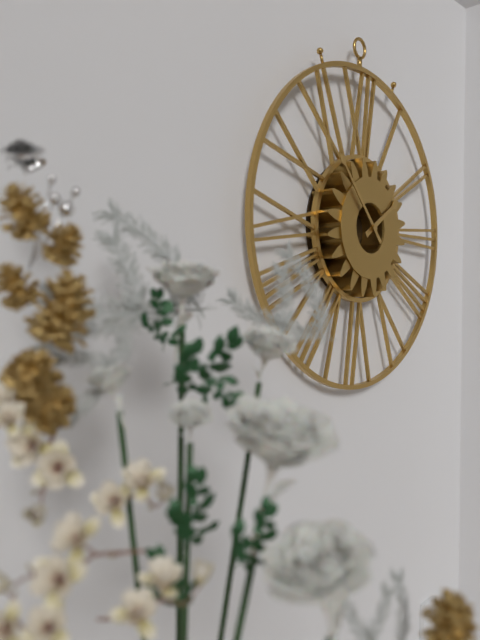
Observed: h=1 m=53
